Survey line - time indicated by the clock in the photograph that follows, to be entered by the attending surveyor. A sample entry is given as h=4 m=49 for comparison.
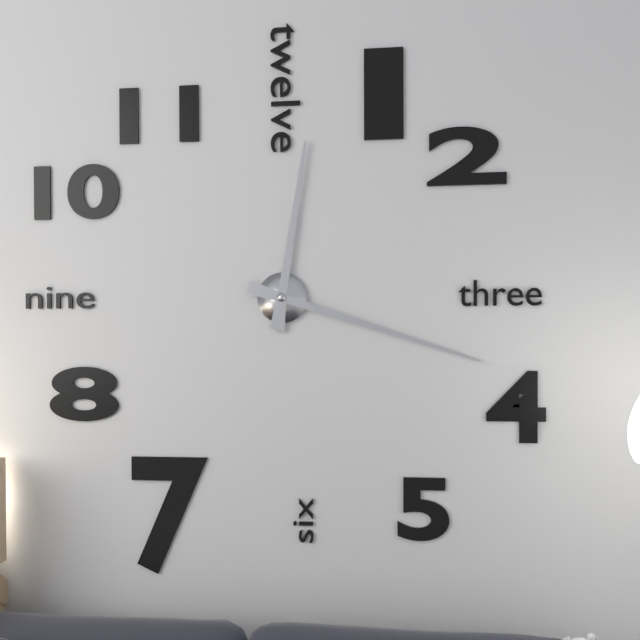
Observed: h=12 m=18
